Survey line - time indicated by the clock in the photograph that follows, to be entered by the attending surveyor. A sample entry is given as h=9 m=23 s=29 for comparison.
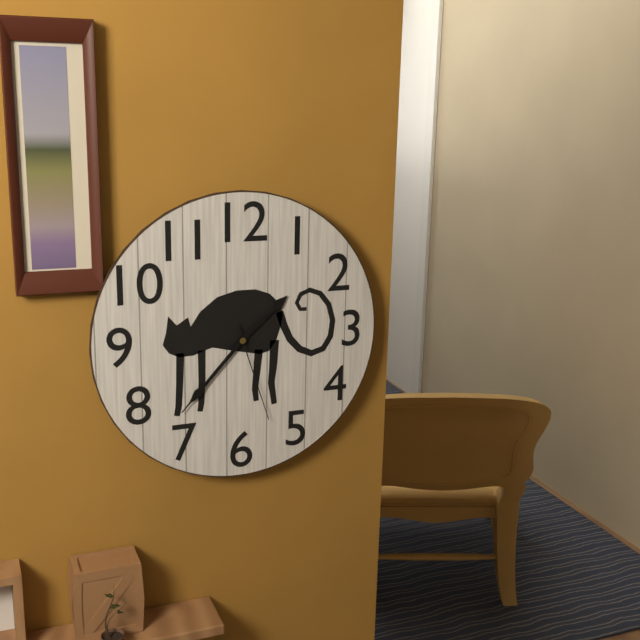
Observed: h=1 m=37 s=27
